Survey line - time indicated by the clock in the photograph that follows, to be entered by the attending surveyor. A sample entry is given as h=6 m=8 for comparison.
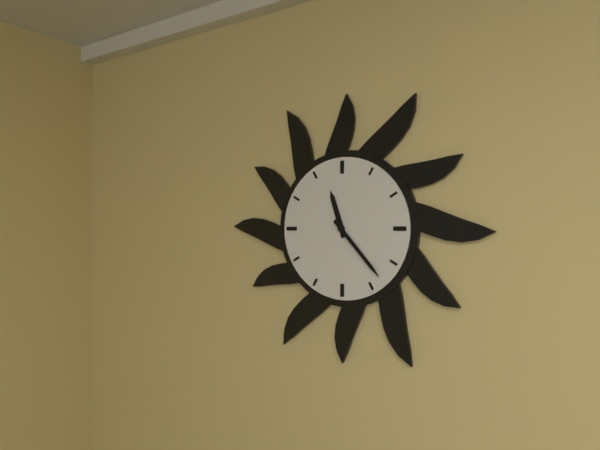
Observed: h=11 m=23
